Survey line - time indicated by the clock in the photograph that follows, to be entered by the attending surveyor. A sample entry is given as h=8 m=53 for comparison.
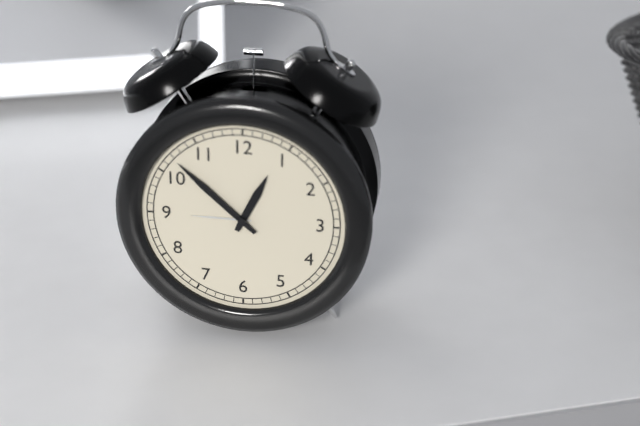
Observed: h=12 m=52
